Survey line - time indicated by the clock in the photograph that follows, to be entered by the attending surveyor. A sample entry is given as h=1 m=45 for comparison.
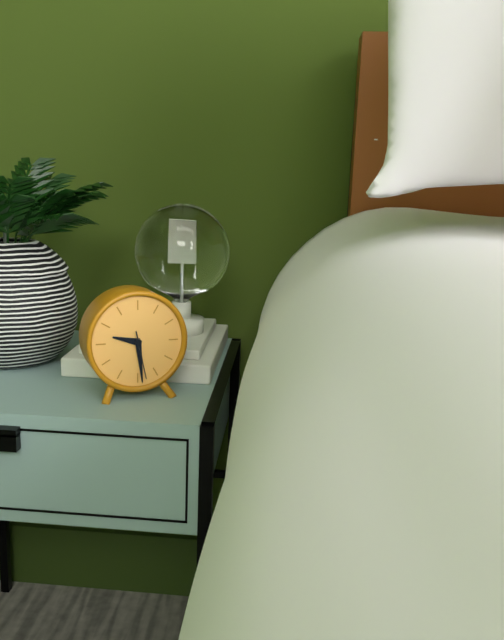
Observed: h=9 m=29
